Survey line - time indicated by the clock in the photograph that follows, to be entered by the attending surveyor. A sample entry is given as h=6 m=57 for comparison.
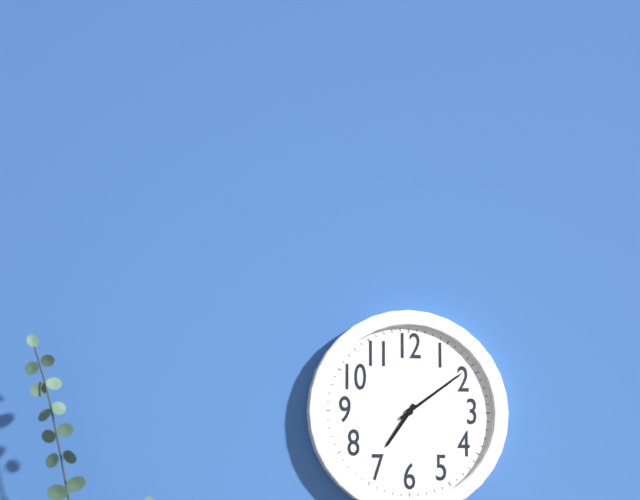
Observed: h=7 m=9
